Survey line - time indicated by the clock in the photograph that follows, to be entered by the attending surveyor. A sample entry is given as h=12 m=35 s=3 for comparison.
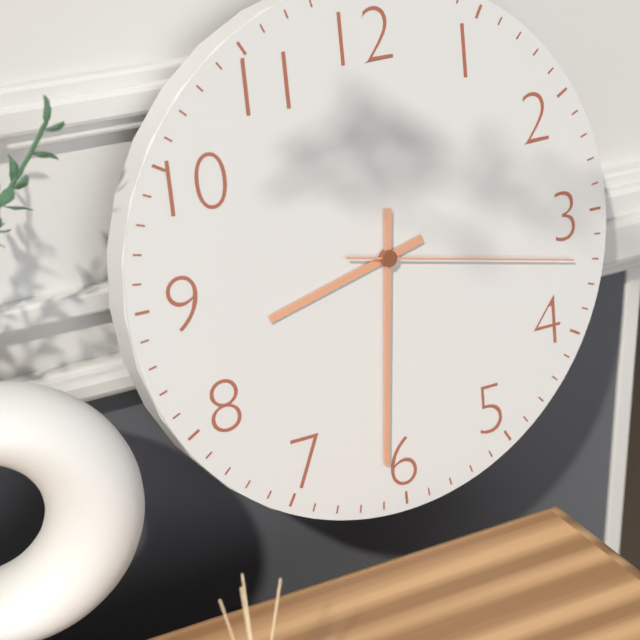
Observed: h=8 m=31 s=17
